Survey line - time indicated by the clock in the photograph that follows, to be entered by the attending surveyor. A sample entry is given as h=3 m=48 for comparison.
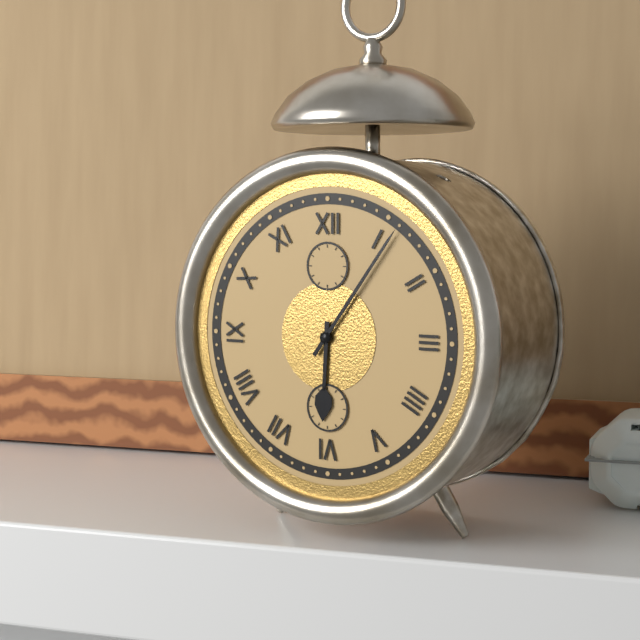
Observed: h=6 m=6
